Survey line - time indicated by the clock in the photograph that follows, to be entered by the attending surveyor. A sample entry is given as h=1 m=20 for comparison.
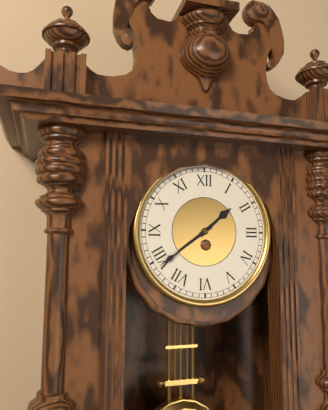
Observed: h=1 m=39
